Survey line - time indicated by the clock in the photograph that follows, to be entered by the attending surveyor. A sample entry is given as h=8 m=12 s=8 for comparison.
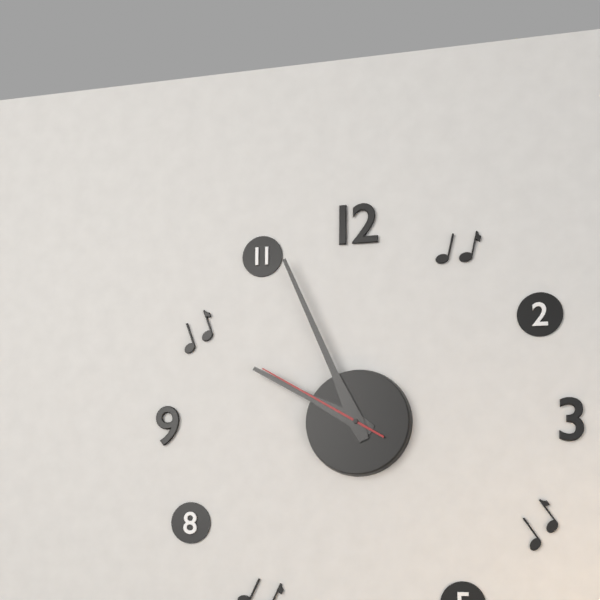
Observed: h=9 m=56 s=50
